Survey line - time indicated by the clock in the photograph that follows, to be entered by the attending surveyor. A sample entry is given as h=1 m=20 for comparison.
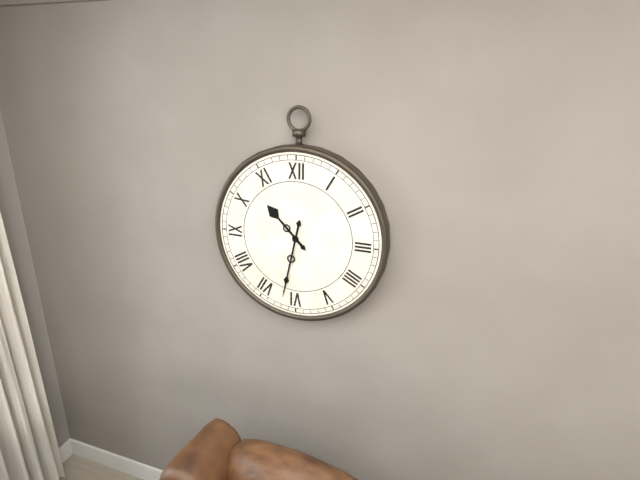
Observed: h=10 m=32
